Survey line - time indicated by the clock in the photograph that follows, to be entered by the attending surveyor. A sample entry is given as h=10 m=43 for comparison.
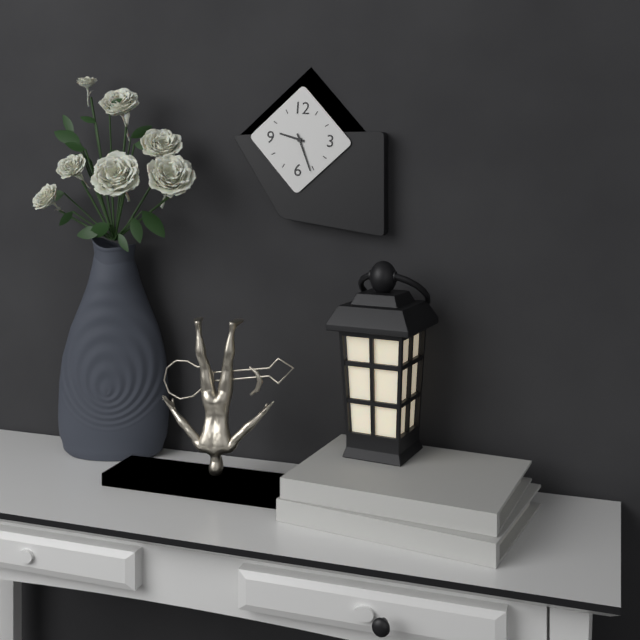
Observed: h=9 m=26
